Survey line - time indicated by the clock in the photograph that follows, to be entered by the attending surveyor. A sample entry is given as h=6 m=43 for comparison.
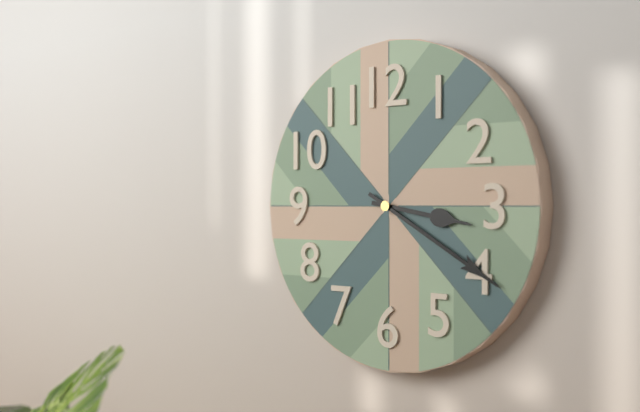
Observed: h=3 m=20
